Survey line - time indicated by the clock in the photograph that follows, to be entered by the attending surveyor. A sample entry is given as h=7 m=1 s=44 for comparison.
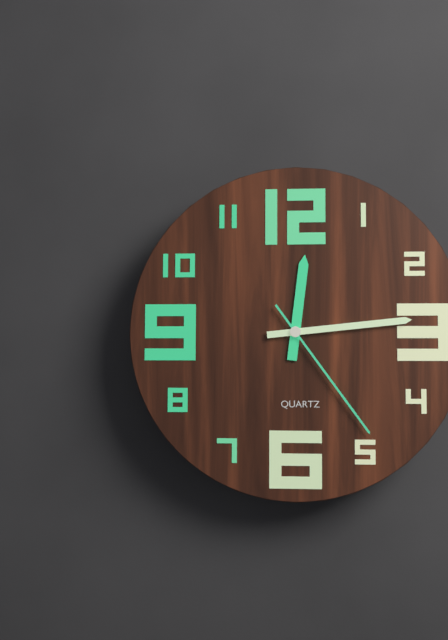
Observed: h=12 m=14 s=24
